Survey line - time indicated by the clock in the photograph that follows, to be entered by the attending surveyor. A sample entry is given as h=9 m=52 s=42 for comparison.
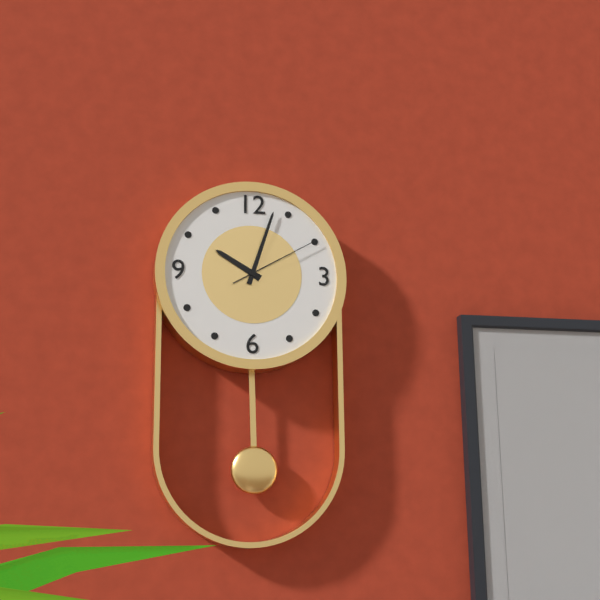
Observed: h=10 m=3 s=10
